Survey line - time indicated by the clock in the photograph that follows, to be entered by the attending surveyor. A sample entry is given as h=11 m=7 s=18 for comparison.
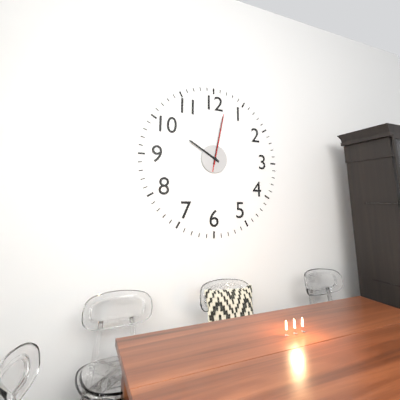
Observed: h=10 m=2 s=2
